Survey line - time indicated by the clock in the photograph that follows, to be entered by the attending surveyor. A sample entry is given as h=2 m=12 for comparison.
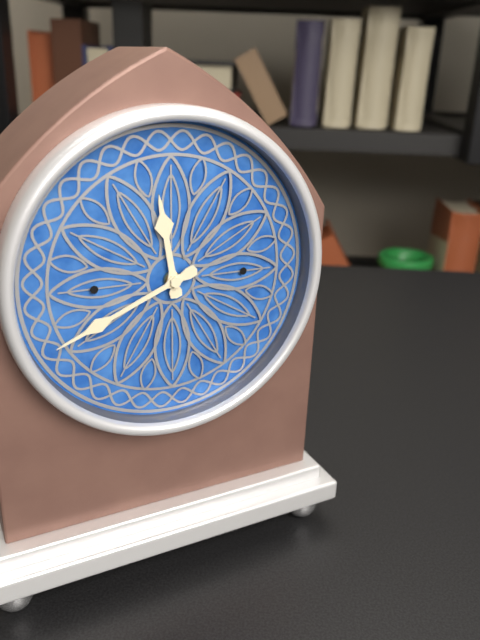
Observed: h=11 m=41
